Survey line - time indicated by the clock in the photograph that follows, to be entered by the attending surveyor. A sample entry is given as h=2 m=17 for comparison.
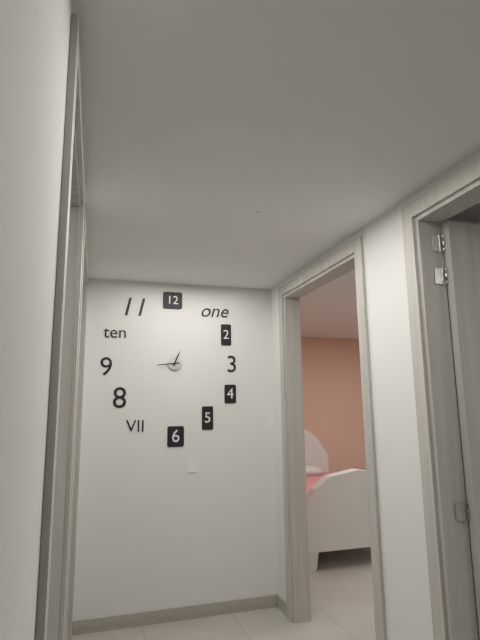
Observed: h=12 m=44
